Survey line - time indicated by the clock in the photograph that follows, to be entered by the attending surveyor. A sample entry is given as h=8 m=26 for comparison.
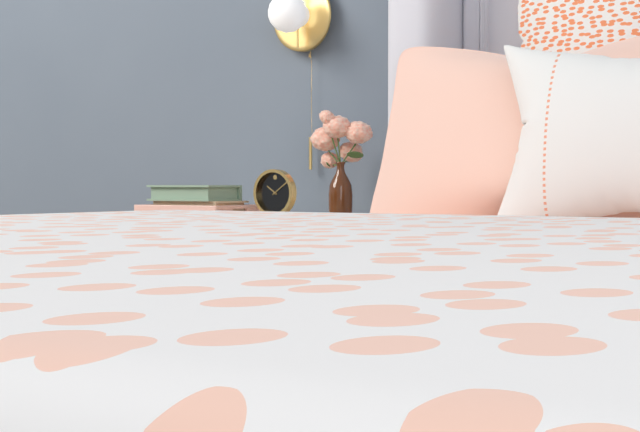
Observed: h=10 m=9
